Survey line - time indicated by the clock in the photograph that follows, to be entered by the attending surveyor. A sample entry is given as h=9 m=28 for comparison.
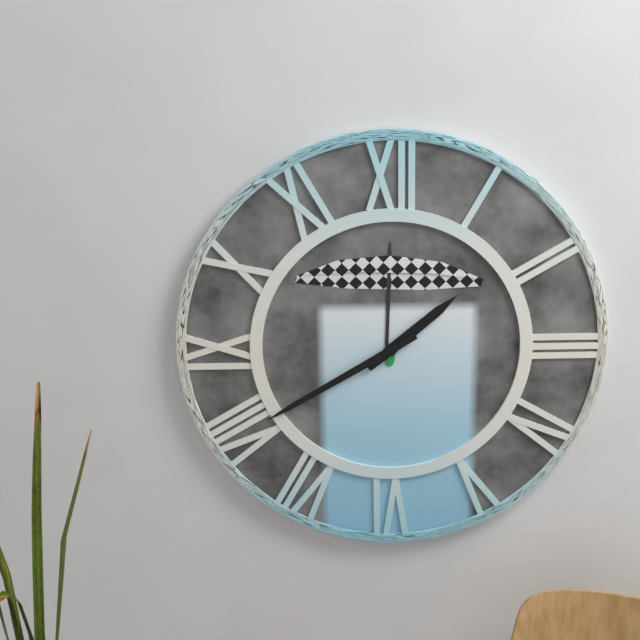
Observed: h=1 m=40
